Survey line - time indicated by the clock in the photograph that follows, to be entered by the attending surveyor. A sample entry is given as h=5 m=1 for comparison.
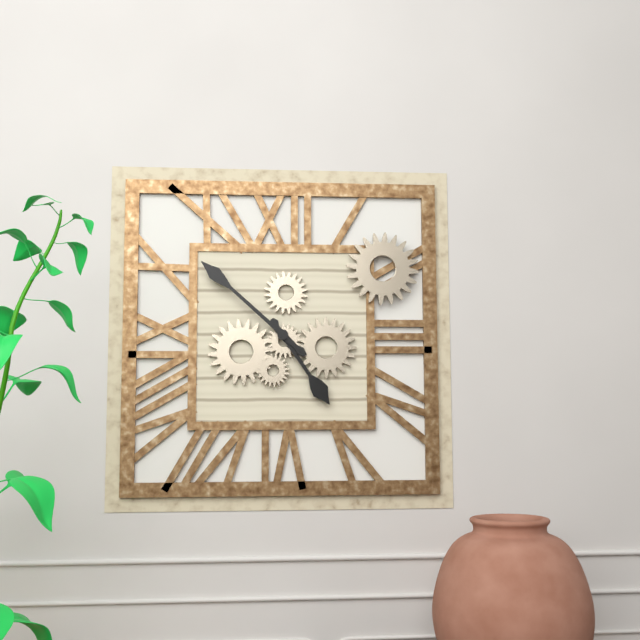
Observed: h=4 m=52
